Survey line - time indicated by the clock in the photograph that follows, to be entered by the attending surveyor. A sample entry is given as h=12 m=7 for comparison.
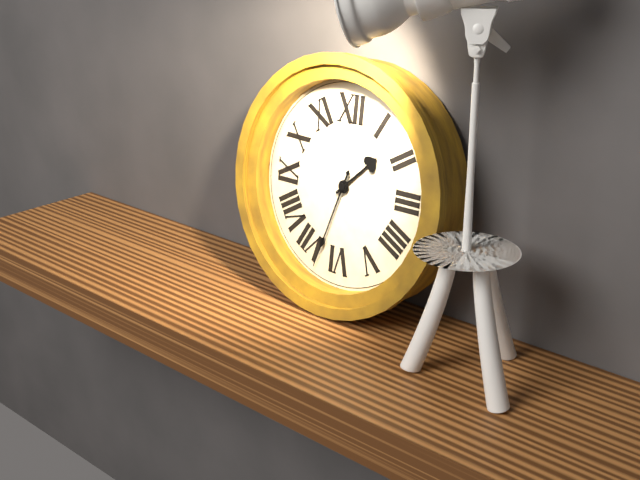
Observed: h=1 m=33
